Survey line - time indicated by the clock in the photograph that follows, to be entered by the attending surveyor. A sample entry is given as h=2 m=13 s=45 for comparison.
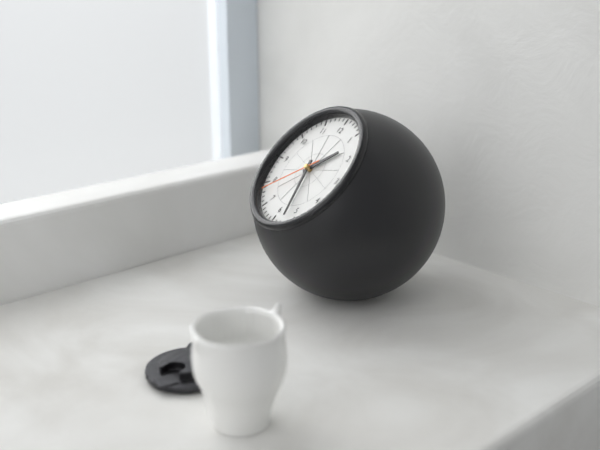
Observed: h=1 m=27 s=38
